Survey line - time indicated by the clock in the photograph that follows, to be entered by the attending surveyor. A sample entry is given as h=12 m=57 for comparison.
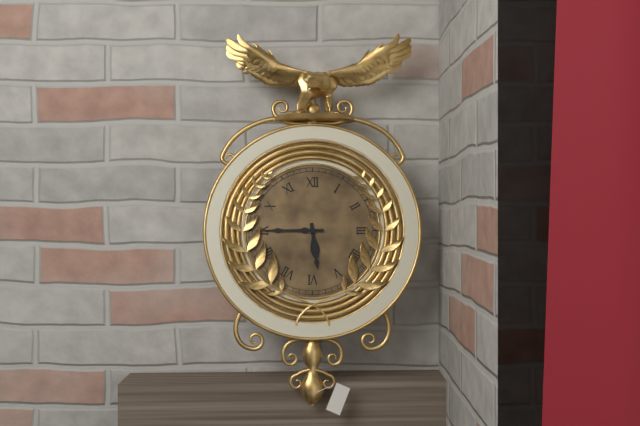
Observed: h=5 m=45
